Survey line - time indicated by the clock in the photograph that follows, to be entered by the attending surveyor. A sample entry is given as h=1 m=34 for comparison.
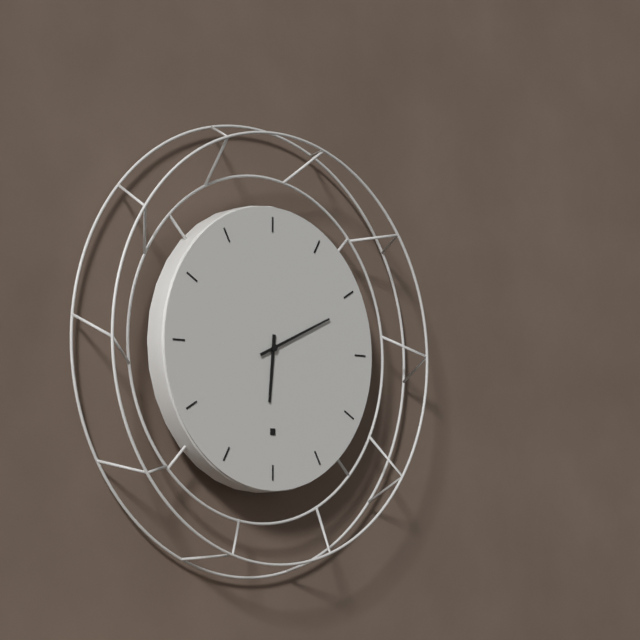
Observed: h=6 m=11
